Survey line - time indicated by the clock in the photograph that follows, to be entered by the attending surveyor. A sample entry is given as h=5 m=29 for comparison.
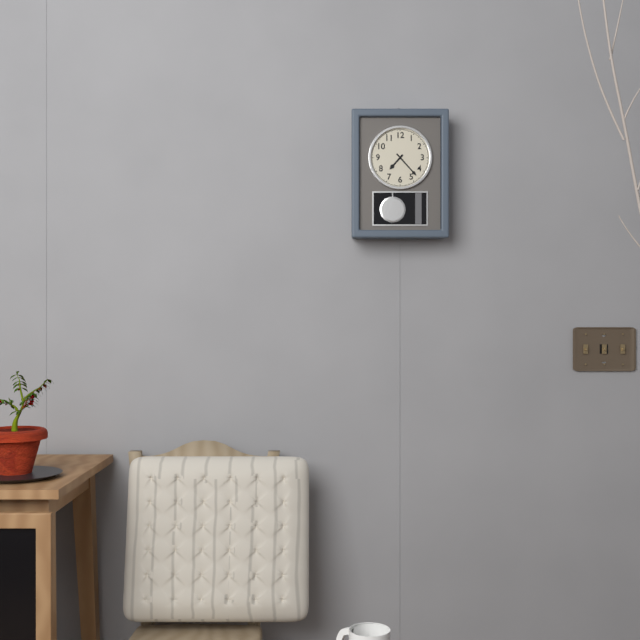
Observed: h=7 m=23
